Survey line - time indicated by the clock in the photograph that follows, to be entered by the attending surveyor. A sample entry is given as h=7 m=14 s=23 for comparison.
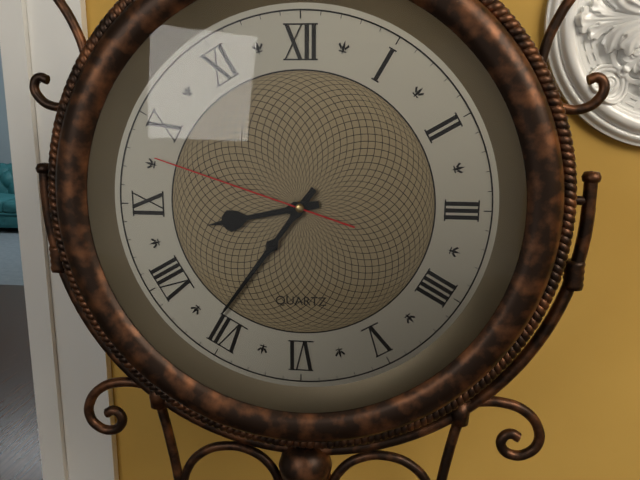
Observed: h=8 m=36 s=48
